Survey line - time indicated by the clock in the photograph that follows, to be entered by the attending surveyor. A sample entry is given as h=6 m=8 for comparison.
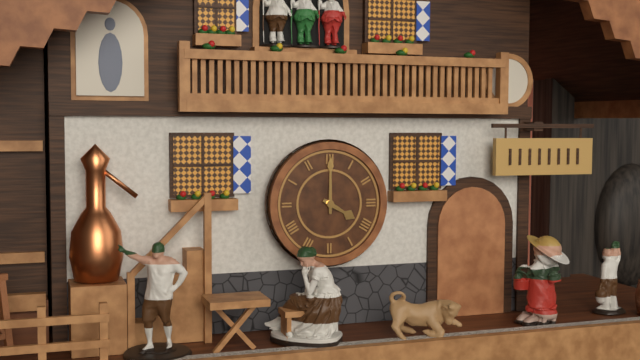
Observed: h=4 m=0
